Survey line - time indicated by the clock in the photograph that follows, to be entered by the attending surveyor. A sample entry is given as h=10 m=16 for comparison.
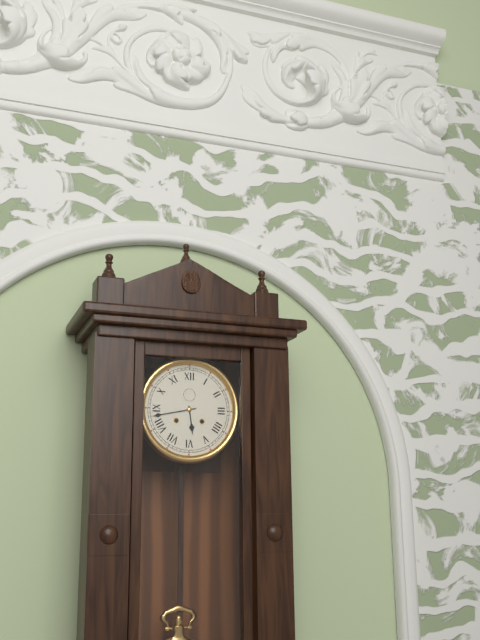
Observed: h=5 m=43
